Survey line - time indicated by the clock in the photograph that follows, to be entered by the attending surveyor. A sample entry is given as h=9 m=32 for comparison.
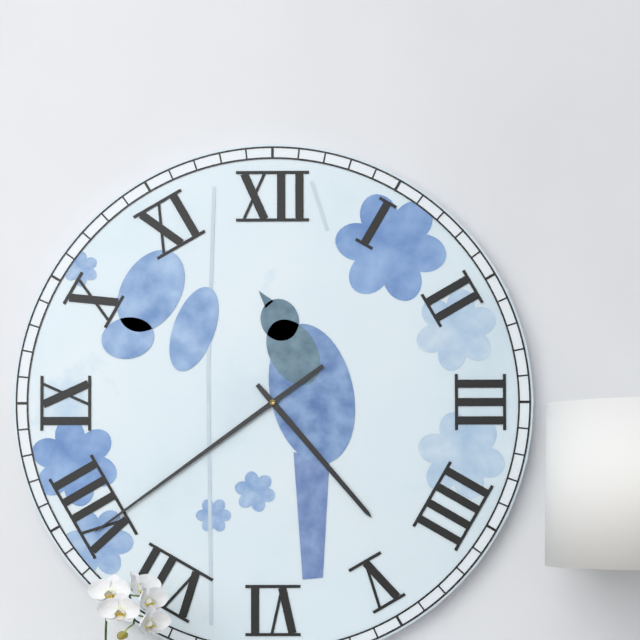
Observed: h=4 m=39
